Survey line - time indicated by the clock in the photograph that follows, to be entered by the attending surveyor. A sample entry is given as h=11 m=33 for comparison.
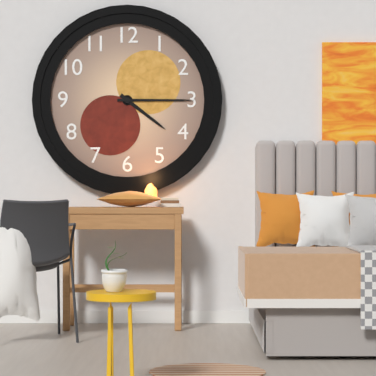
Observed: h=4 m=15
